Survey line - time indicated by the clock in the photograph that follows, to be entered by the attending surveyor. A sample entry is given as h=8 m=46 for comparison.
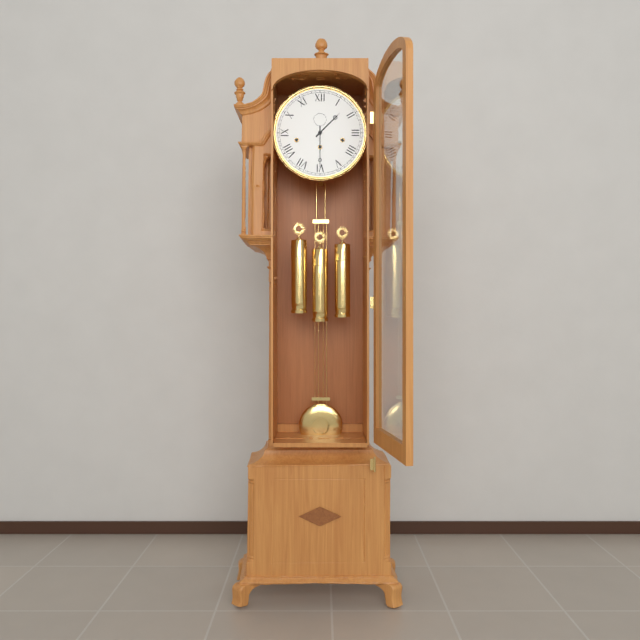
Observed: h=1 m=30
